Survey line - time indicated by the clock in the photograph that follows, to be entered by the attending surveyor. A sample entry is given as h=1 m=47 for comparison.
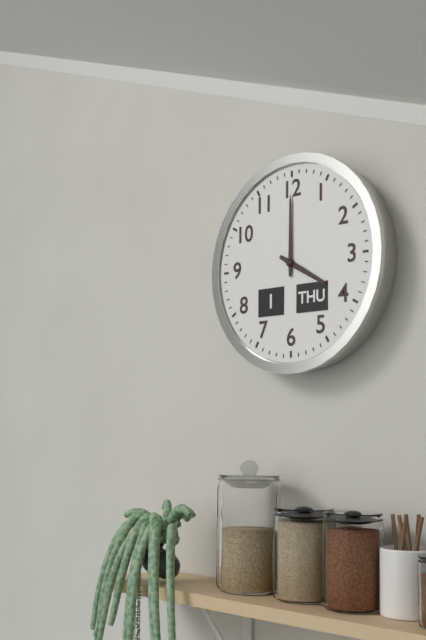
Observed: h=4 m=0
